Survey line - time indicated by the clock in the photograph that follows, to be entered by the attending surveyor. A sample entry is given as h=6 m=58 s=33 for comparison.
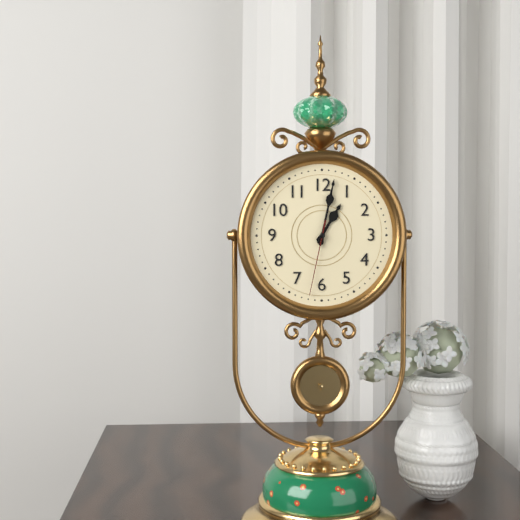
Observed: h=1 m=2 s=32
